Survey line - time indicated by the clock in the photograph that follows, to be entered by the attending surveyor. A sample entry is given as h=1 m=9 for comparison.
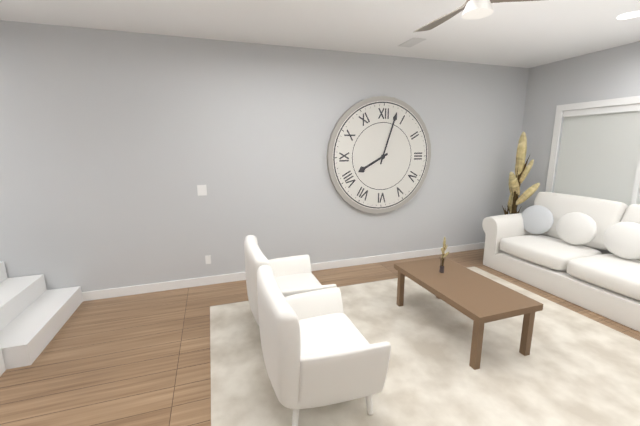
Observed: h=8 m=3
